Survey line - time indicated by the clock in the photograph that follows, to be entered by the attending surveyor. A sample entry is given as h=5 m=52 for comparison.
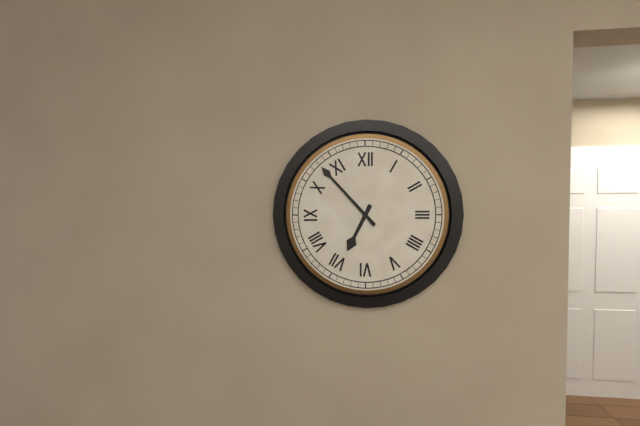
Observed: h=6 m=53
